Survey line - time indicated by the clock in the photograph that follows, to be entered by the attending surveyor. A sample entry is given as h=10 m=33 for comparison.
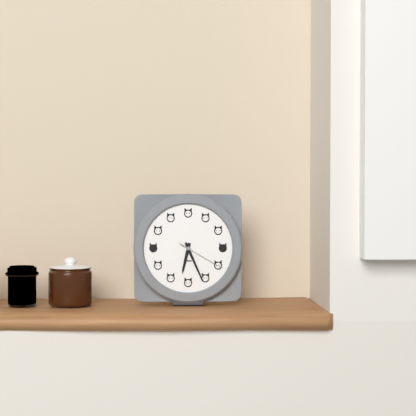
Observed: h=6 m=26
